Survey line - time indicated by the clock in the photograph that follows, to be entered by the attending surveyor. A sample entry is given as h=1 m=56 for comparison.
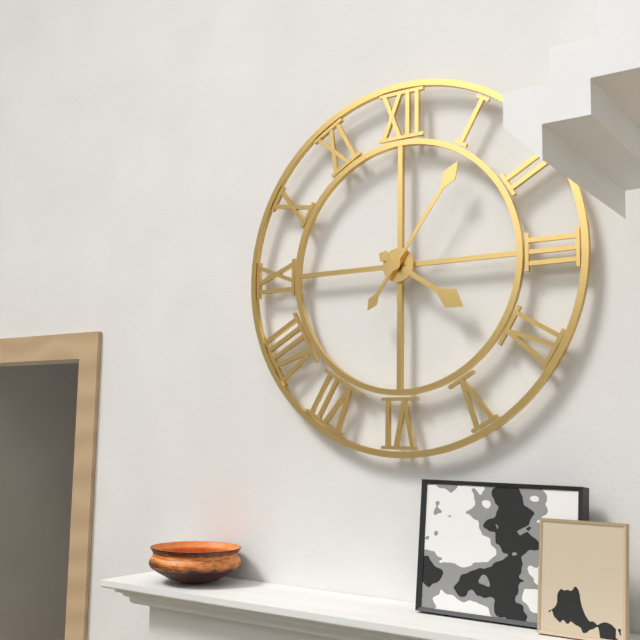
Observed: h=4 m=6
